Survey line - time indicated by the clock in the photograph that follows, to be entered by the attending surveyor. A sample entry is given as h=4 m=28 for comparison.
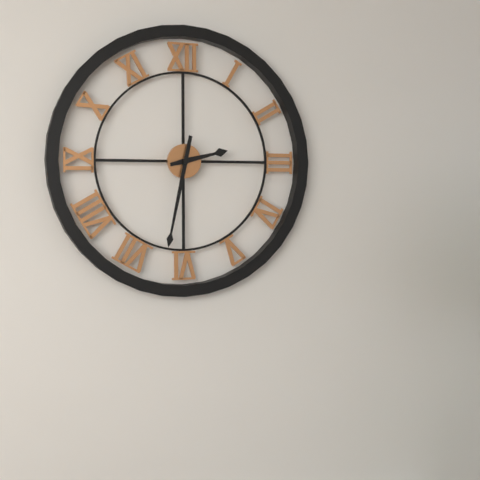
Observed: h=2 m=32
